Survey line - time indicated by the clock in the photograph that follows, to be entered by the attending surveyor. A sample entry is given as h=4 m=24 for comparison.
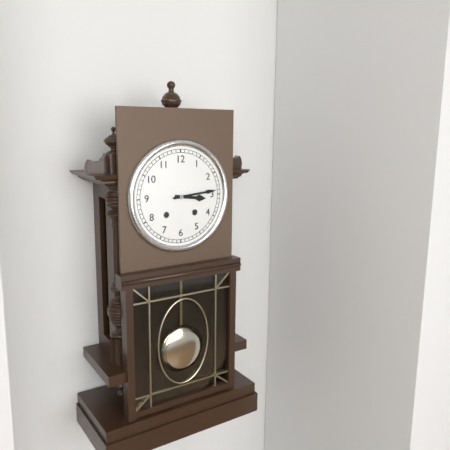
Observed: h=3 m=14
